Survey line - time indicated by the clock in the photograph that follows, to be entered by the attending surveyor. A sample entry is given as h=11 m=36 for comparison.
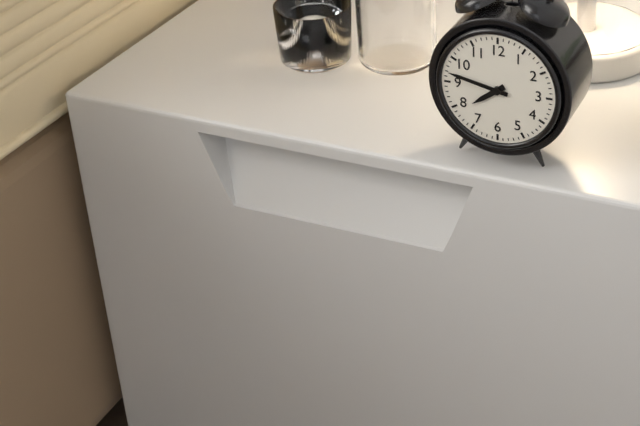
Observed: h=7 m=47
